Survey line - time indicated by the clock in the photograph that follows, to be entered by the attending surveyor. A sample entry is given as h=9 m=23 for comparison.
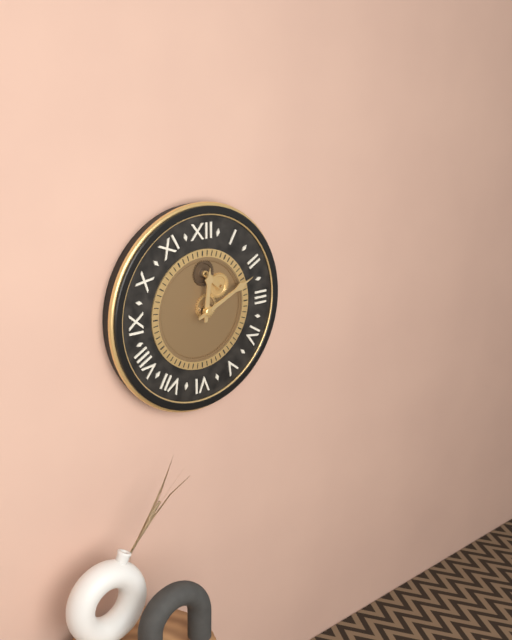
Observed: h=12 m=11
